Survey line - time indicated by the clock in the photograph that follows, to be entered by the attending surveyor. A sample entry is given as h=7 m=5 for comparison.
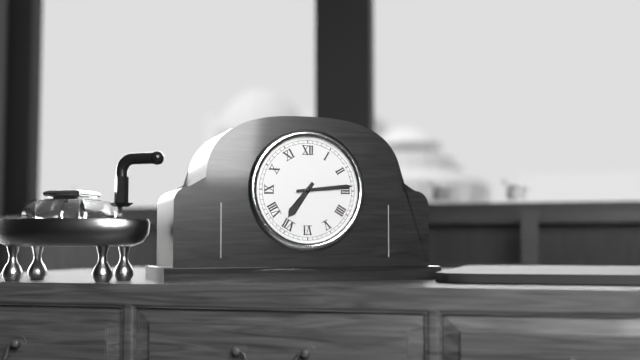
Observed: h=7 m=14
